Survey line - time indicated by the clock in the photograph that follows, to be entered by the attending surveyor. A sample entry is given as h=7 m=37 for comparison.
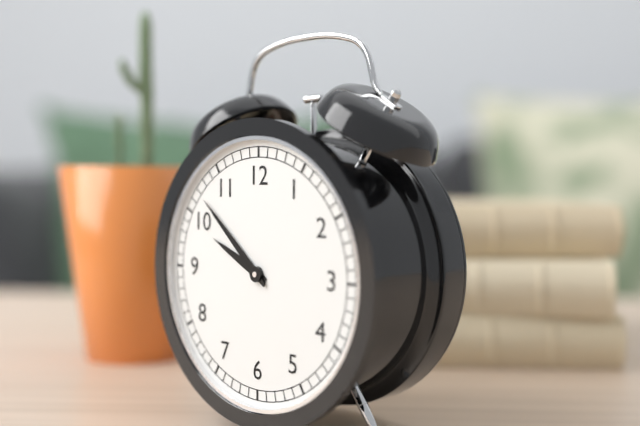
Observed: h=9 m=52
